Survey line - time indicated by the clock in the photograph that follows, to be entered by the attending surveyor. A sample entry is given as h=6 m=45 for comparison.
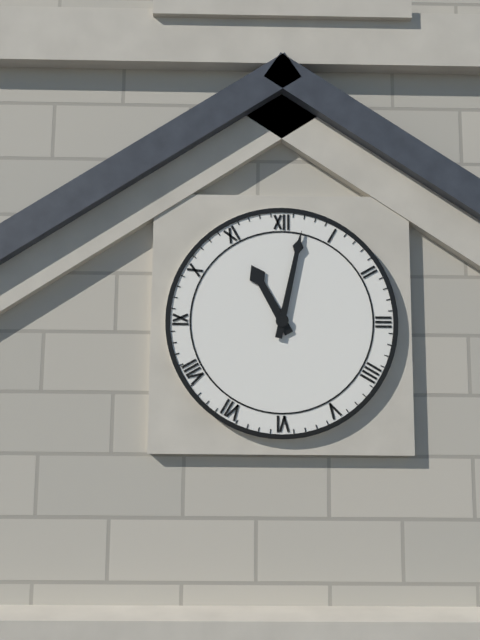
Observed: h=11 m=2
